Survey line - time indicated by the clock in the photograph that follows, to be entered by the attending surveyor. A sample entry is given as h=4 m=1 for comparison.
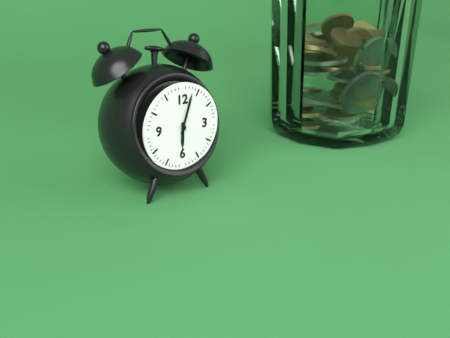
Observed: h=6 m=3
